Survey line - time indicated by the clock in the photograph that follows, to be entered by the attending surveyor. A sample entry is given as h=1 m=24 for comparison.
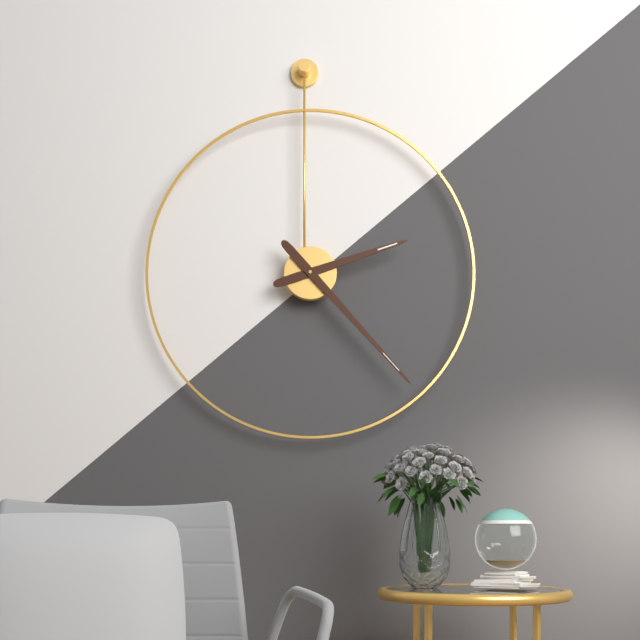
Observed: h=2 m=23
